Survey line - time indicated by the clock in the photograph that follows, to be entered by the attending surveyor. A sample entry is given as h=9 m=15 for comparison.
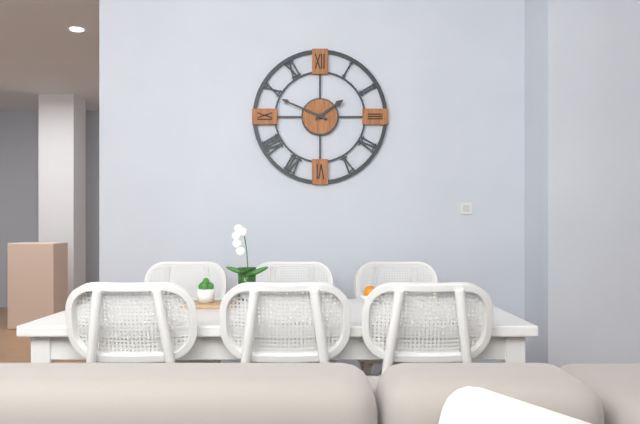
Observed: h=1 m=49
